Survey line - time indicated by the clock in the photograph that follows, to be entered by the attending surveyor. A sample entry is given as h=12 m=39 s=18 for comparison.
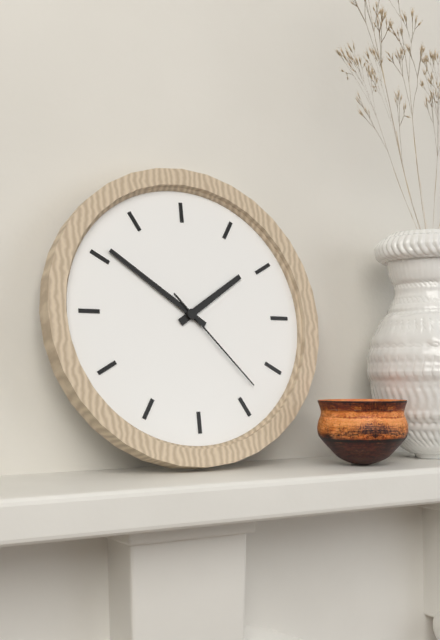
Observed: h=1 m=51 s=23
